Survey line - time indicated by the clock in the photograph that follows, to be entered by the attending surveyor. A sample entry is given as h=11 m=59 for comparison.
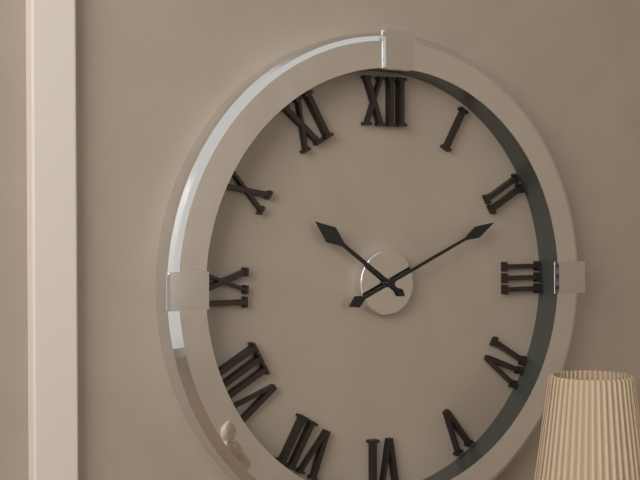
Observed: h=10 m=11
